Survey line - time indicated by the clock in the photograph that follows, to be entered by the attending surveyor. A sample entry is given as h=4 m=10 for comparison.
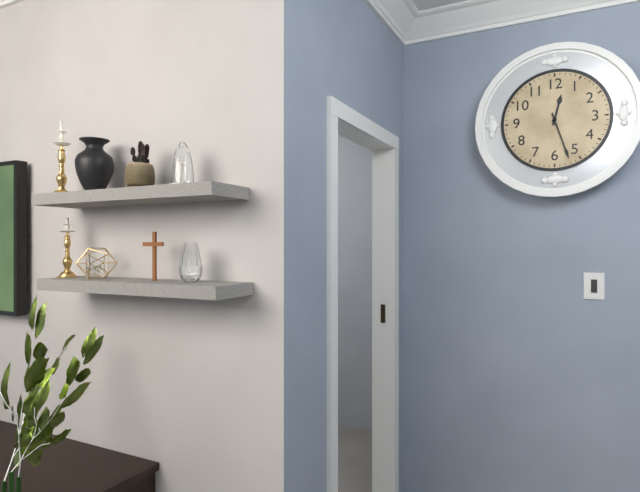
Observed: h=12 m=27
